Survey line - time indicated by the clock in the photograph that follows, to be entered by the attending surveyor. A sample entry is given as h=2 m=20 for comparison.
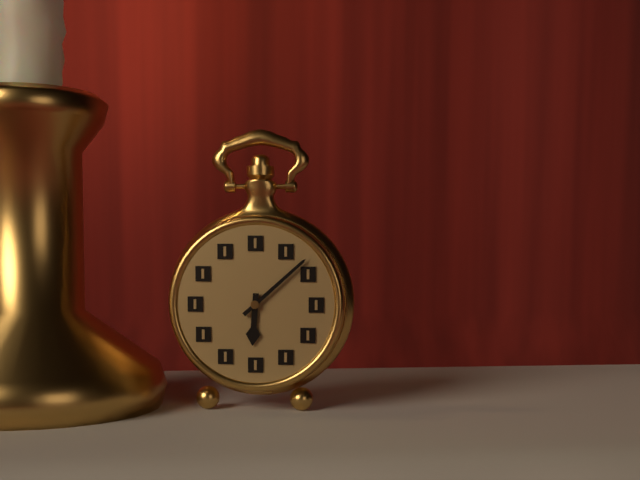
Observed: h=6 m=8
